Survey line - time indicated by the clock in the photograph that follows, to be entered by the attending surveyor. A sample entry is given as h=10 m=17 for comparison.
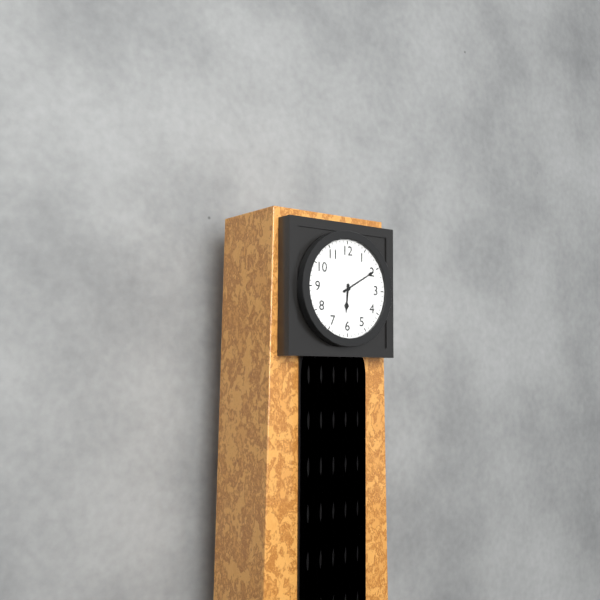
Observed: h=6 m=10
